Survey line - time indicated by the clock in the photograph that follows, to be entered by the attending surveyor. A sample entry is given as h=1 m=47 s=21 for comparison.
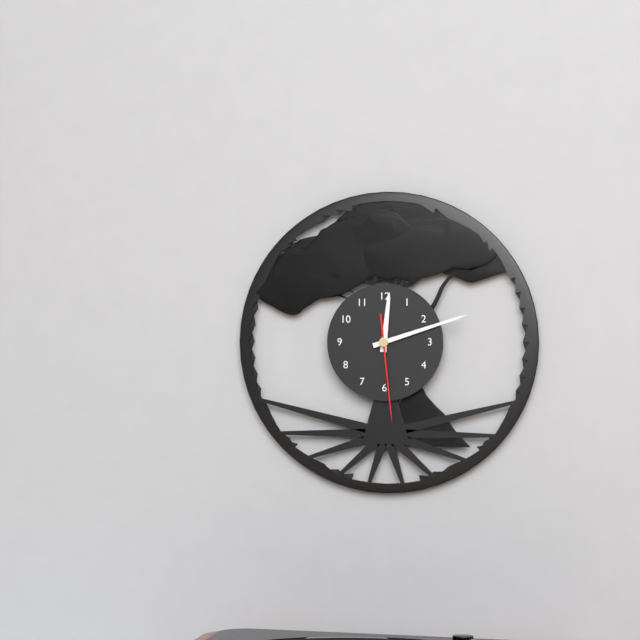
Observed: h=12 m=12 s=29
